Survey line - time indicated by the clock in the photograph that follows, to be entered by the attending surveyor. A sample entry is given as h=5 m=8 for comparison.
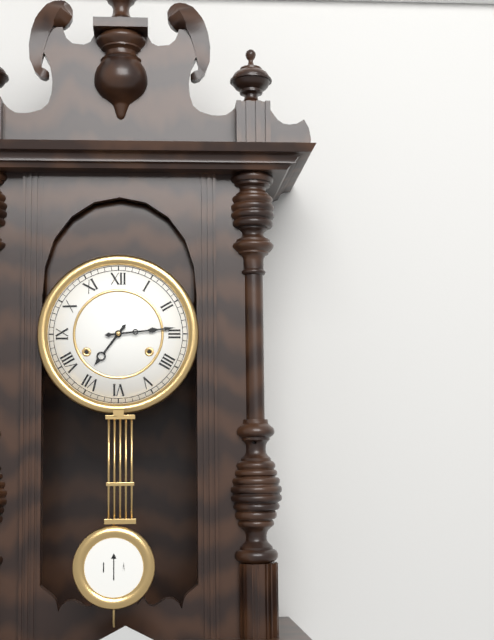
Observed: h=7 m=14
